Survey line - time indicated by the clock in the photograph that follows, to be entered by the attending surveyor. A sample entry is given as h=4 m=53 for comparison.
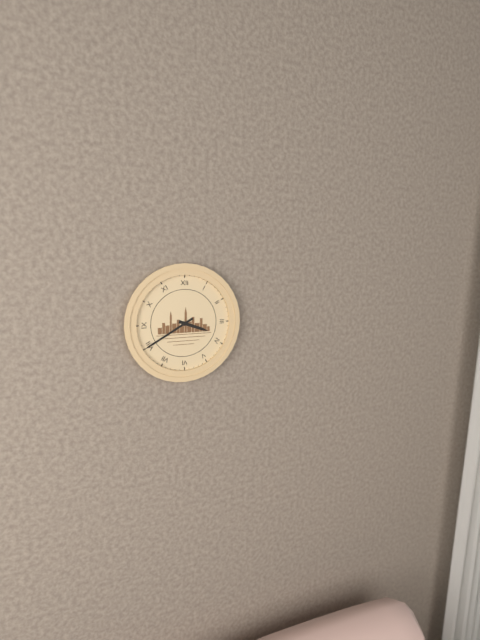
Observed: h=3 m=40
